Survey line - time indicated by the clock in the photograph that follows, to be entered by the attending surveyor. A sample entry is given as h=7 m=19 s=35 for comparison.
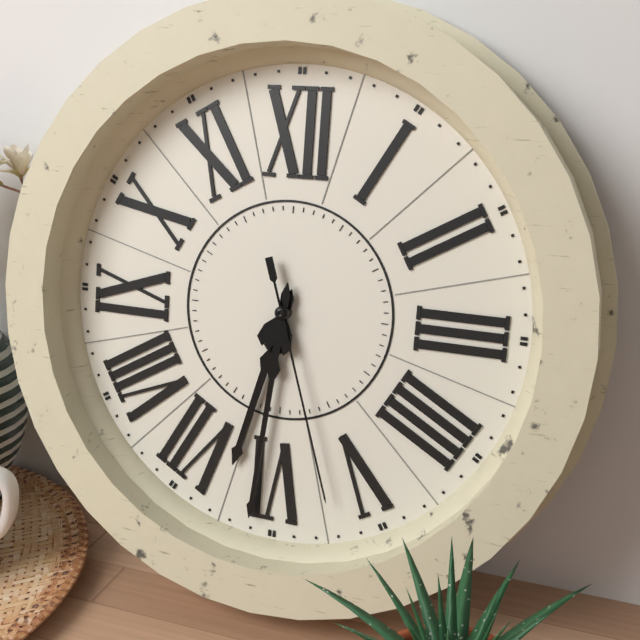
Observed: h=6 m=31 s=27
